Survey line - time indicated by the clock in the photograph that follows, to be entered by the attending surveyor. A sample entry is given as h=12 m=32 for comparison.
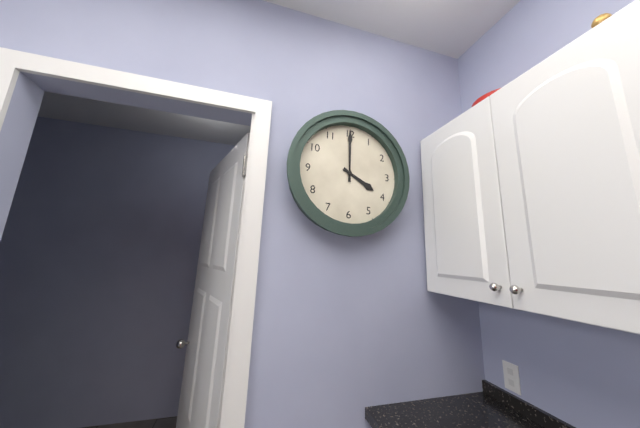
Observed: h=4 m=0
